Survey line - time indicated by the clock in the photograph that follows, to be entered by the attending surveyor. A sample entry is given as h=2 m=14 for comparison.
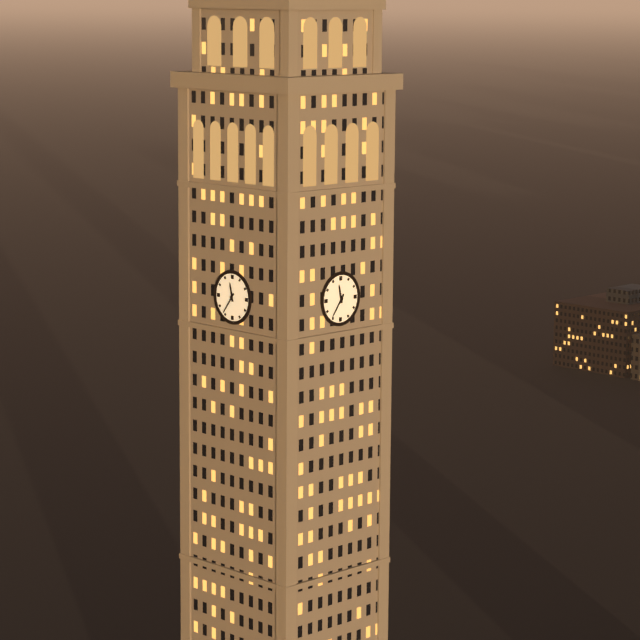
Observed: h=11 m=36
